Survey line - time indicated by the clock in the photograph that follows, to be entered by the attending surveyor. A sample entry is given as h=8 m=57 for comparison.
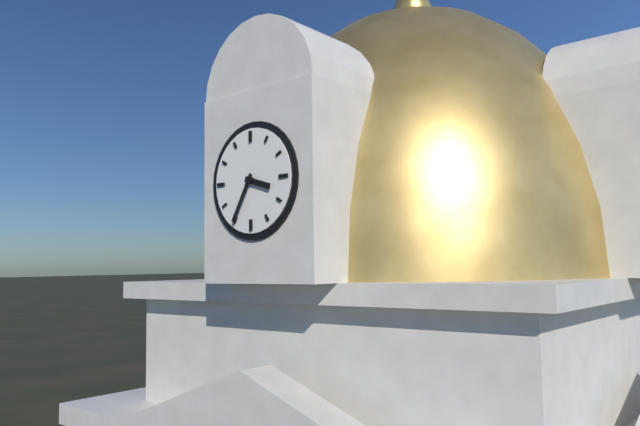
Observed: h=3 m=35
